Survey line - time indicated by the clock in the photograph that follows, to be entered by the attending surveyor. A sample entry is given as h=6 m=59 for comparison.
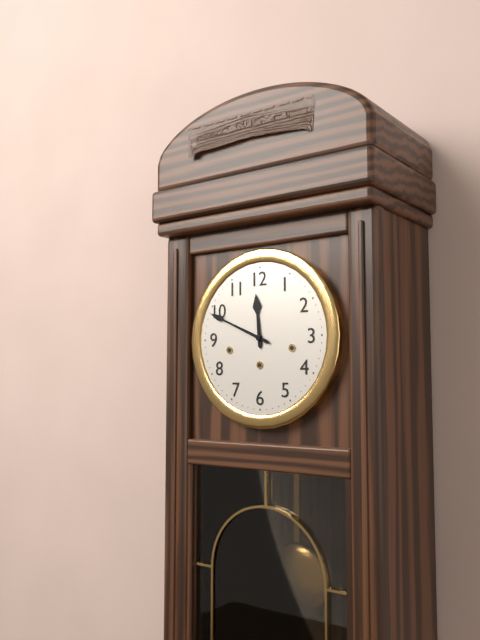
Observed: h=11 m=49
